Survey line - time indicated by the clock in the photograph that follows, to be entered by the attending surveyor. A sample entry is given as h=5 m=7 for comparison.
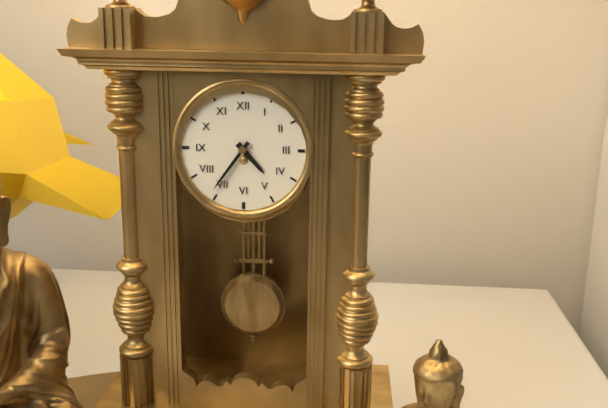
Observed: h=4 m=36
